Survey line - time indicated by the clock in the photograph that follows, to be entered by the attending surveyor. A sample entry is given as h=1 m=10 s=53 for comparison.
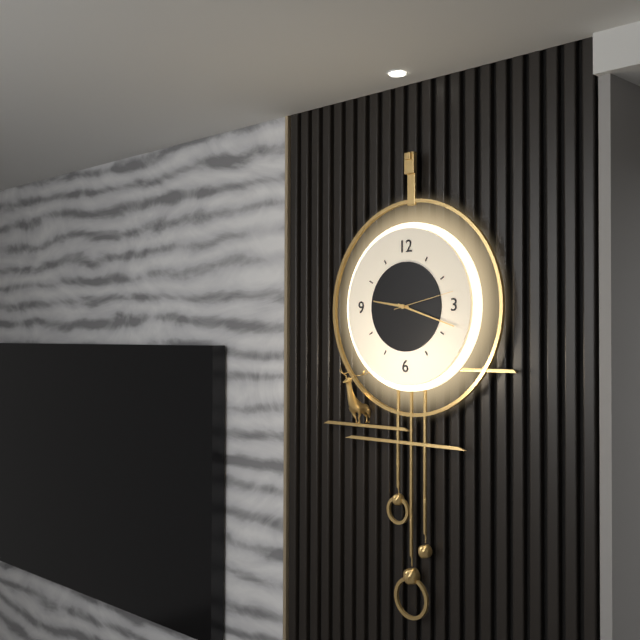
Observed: h=9 m=18 s=13
